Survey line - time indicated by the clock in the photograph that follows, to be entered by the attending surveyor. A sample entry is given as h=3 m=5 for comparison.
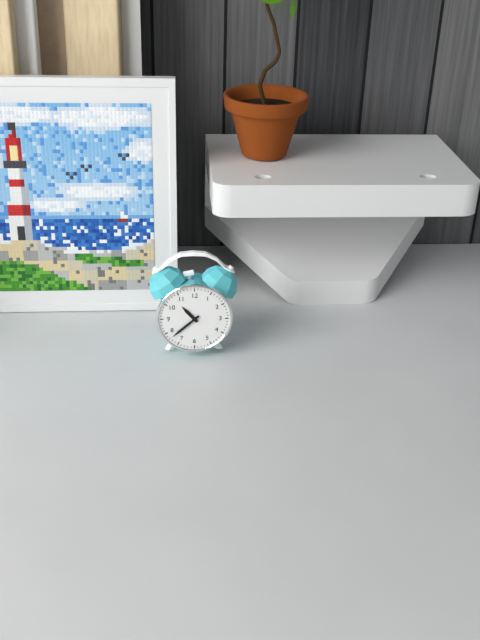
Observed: h=10 m=38
